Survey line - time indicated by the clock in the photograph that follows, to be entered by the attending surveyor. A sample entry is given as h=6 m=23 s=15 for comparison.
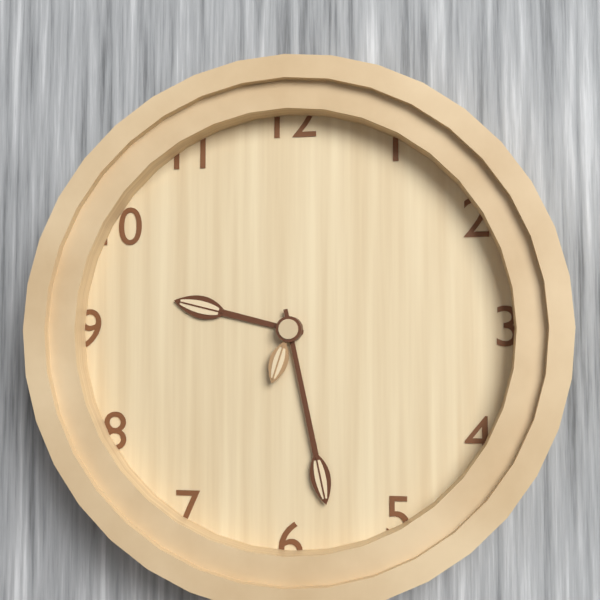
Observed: h=9 m=28 s=33
